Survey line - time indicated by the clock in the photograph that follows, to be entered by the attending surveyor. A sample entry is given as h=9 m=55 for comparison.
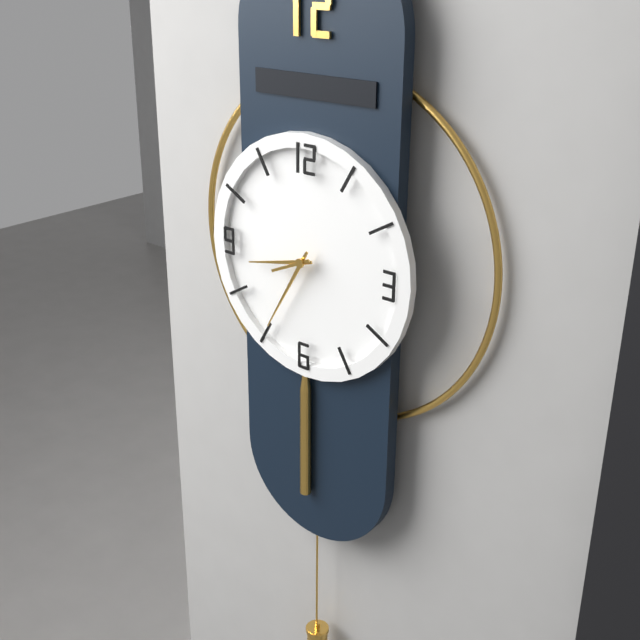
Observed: h=8 m=35
